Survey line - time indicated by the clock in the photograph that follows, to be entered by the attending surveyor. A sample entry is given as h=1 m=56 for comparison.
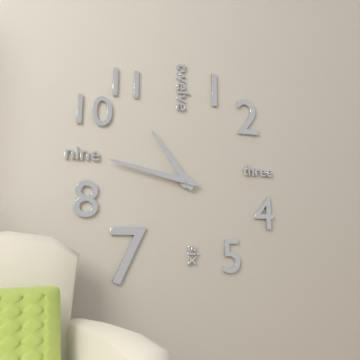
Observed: h=10 m=47
